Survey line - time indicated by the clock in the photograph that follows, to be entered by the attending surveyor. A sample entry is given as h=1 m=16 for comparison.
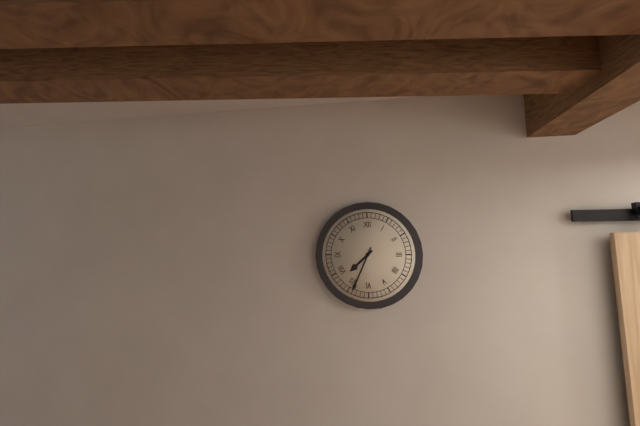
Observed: h=7 m=34
